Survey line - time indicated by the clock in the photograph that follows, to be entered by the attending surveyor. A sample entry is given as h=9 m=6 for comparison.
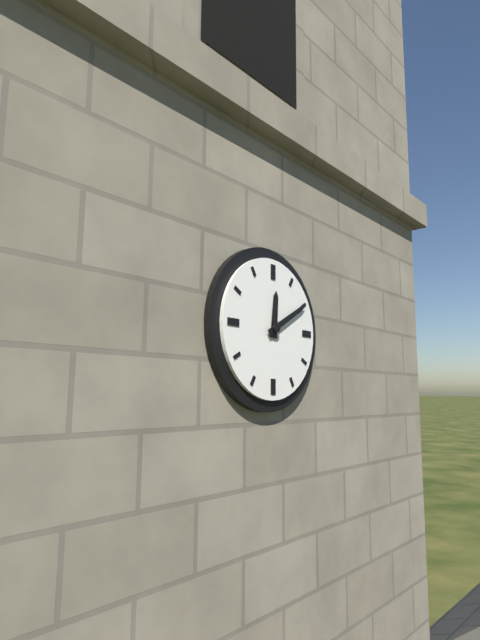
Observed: h=12 m=10
